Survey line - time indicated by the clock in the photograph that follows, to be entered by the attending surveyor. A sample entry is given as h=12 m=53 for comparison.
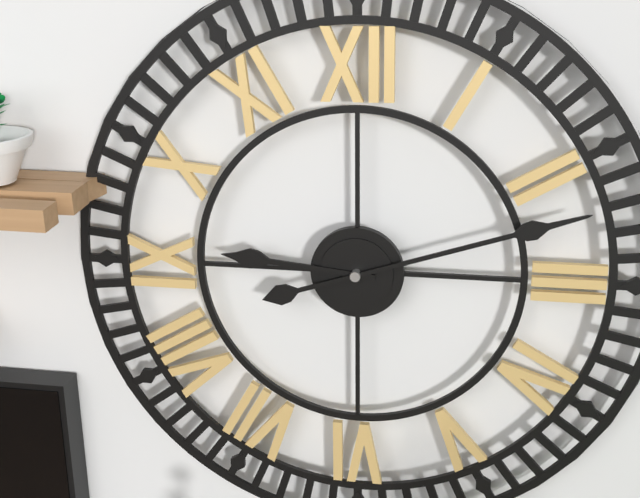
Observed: h=9 m=12
